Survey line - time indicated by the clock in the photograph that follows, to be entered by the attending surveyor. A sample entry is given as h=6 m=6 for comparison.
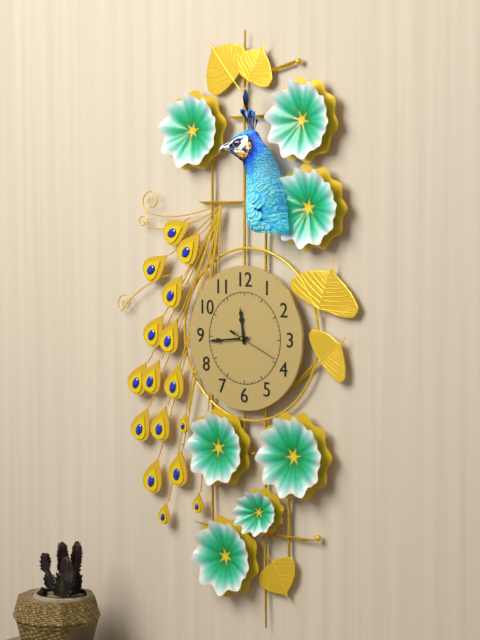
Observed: h=11 m=44
